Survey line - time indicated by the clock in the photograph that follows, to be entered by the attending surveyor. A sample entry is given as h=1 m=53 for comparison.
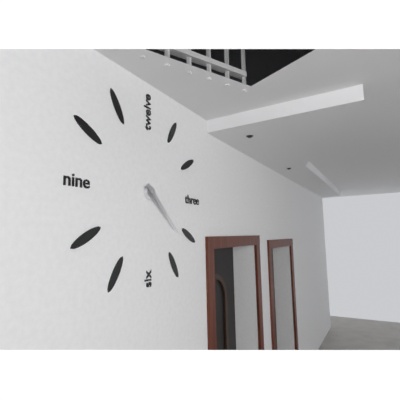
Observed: h=4 m=22
